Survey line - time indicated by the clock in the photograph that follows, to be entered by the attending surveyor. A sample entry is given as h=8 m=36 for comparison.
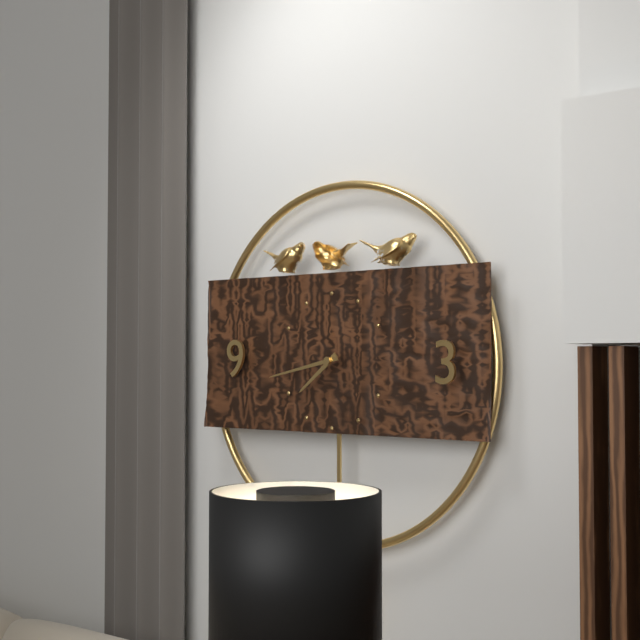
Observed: h=7 m=43
